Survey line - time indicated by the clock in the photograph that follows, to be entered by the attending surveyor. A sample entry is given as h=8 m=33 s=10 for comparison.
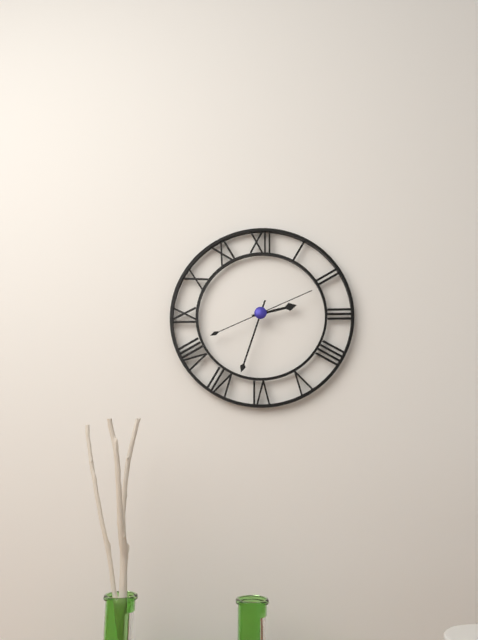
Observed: h=2 m=33 s=11
